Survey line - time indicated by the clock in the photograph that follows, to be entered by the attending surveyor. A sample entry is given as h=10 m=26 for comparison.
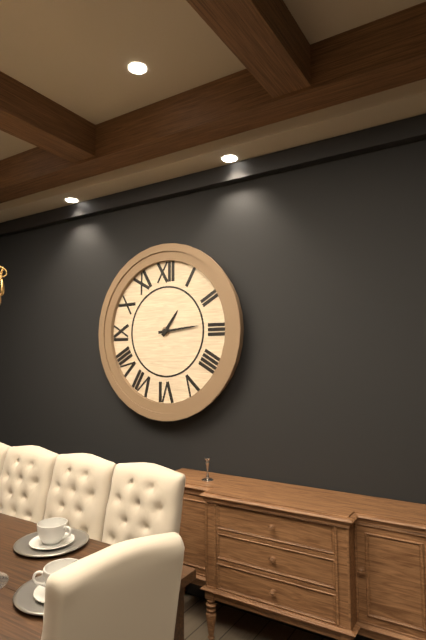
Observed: h=1 m=14
